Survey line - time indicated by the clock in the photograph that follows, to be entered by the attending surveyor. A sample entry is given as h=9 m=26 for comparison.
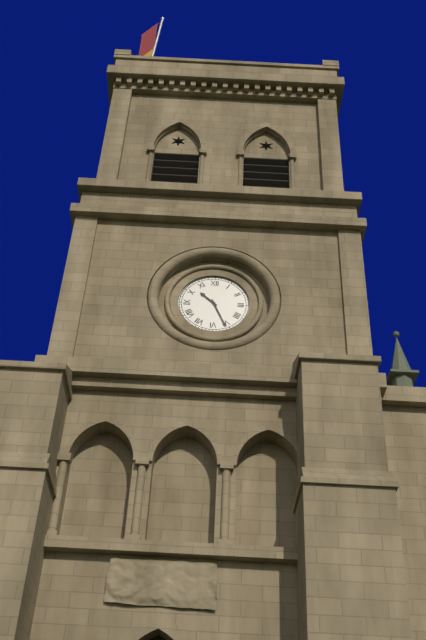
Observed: h=10 m=26
